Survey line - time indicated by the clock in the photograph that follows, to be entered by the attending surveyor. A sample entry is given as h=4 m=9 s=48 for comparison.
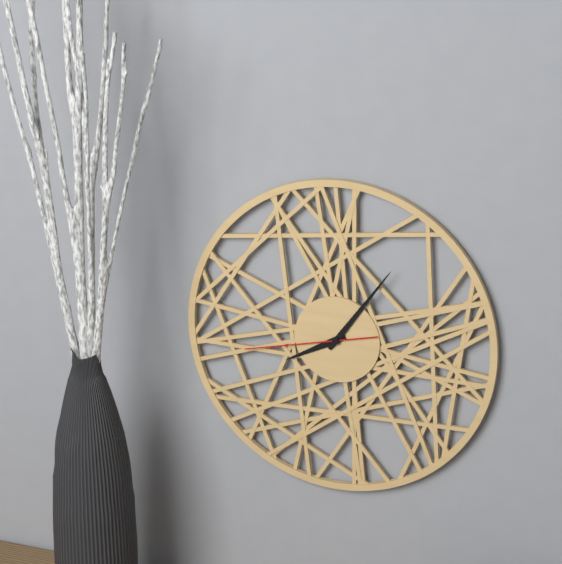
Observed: h=8 m=6 s=43
